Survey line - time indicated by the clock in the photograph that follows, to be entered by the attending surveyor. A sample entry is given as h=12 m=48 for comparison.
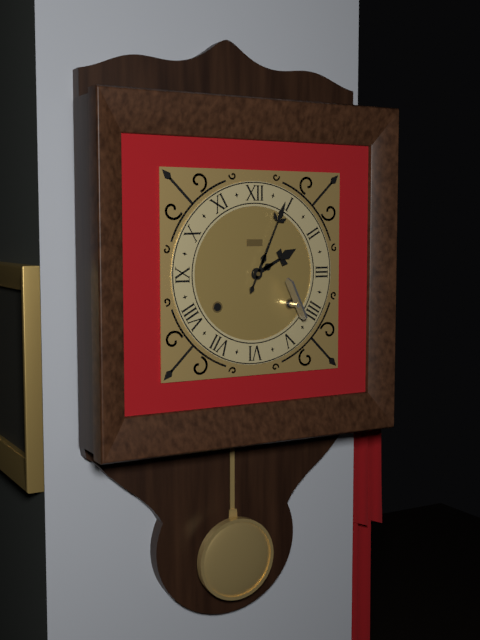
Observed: h=2 m=4
